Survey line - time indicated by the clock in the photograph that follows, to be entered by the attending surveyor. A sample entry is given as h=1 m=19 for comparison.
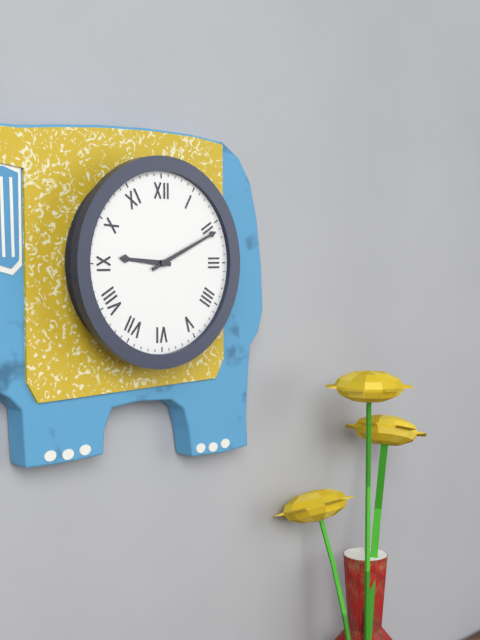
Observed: h=9 m=11
